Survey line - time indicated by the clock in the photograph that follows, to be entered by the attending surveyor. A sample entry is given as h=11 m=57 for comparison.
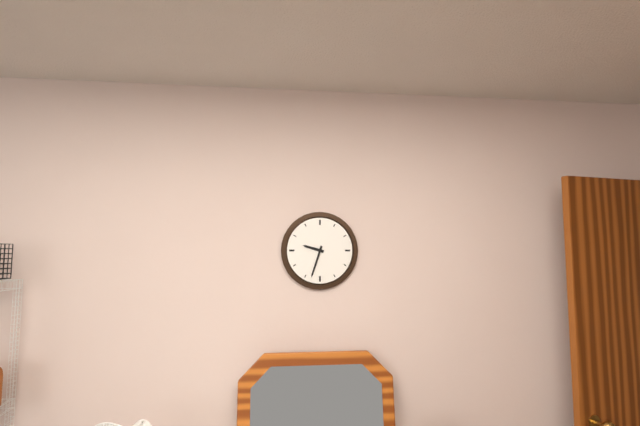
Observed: h=9 m=33
